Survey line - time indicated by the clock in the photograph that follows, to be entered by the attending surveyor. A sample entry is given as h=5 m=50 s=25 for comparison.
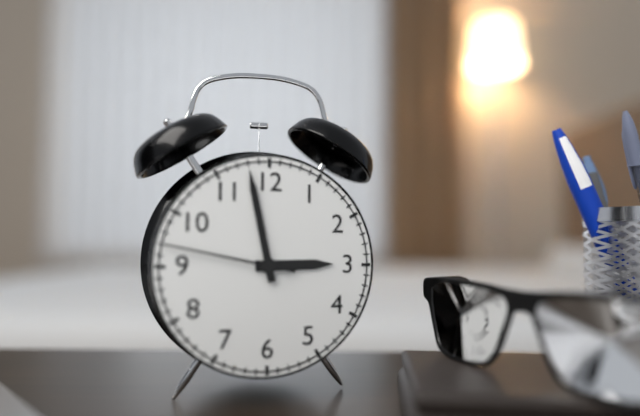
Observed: h=2 m=58 s=47
